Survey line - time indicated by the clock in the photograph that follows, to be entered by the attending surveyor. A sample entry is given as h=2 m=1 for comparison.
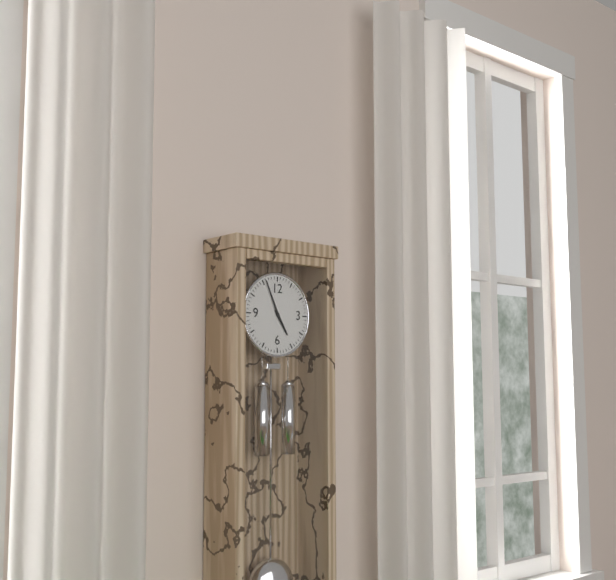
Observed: h=4 m=56
